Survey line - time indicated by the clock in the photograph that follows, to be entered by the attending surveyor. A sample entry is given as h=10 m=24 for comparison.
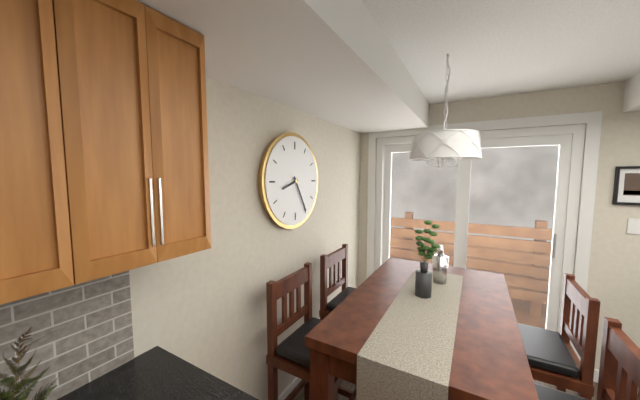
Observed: h=8 m=25
